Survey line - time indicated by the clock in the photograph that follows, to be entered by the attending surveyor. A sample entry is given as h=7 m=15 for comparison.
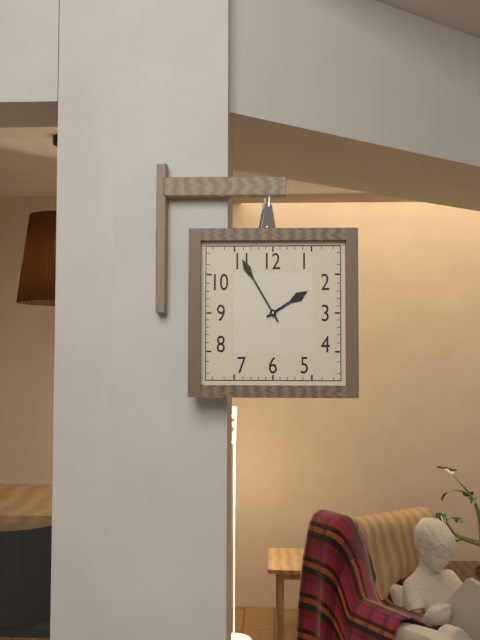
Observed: h=1 m=55
